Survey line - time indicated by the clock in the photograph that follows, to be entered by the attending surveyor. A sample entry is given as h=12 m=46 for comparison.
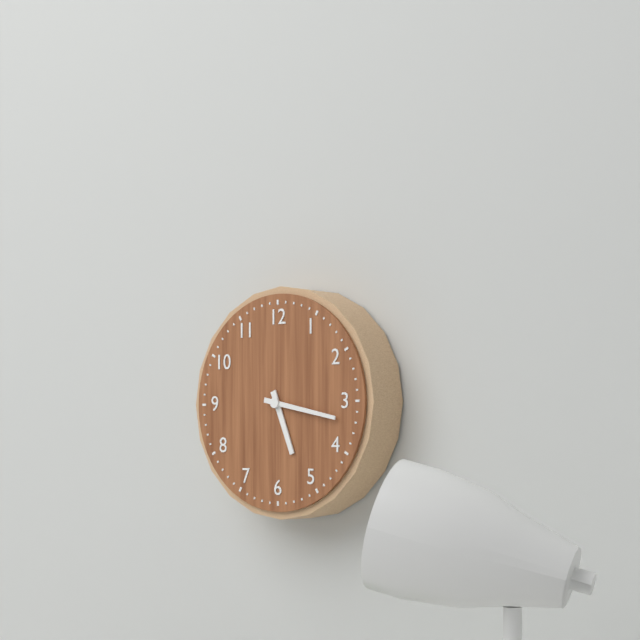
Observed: h=5 m=17
